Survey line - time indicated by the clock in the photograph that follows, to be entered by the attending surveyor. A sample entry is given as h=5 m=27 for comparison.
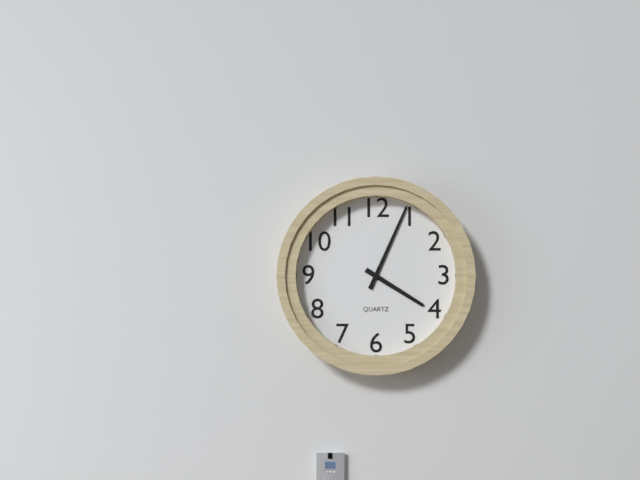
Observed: h=4 m=4
